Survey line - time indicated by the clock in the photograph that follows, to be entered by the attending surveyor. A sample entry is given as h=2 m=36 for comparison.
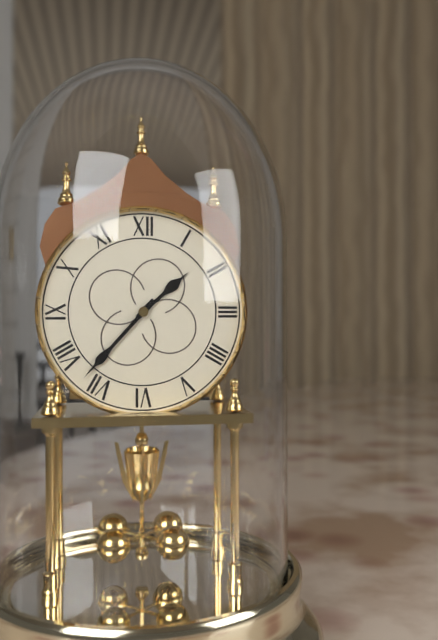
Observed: h=1 m=37
